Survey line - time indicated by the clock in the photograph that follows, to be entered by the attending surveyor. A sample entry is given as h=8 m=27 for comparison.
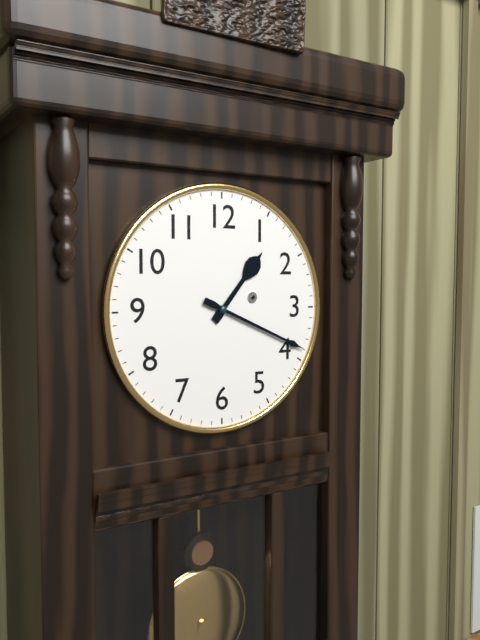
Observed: h=1 m=19
